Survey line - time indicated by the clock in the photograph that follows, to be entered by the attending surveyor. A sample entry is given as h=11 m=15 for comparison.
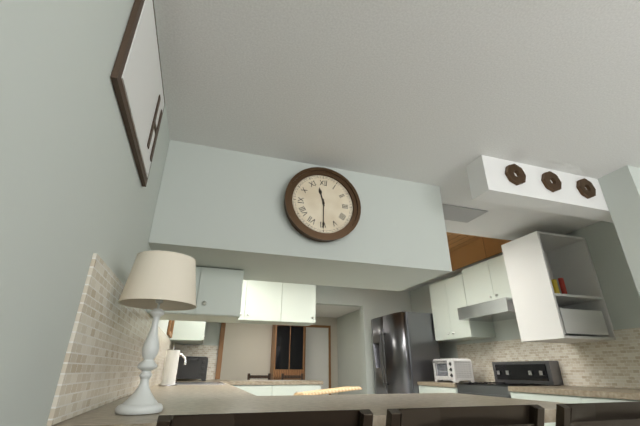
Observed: h=11 m=30
